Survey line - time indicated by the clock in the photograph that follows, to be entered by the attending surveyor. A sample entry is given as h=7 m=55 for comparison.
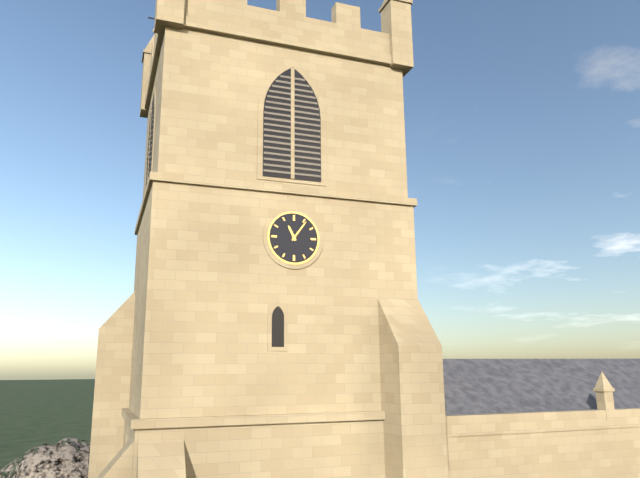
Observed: h=11 m=6
